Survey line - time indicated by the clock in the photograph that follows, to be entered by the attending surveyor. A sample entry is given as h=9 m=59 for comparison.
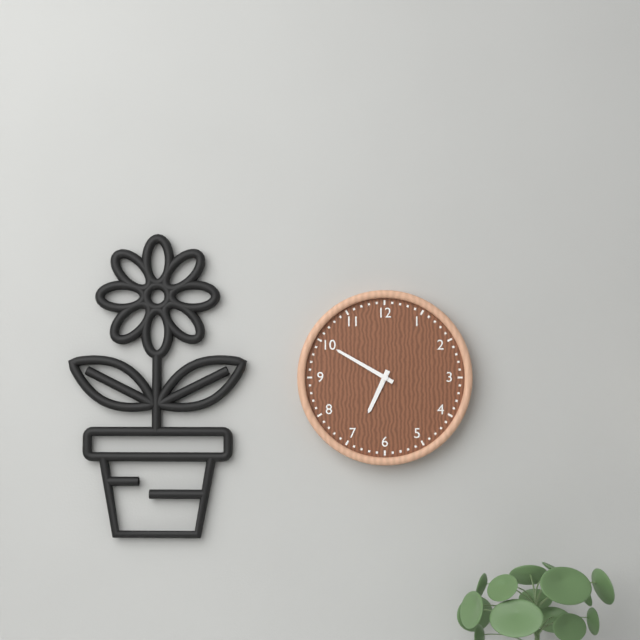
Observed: h=6 m=50
